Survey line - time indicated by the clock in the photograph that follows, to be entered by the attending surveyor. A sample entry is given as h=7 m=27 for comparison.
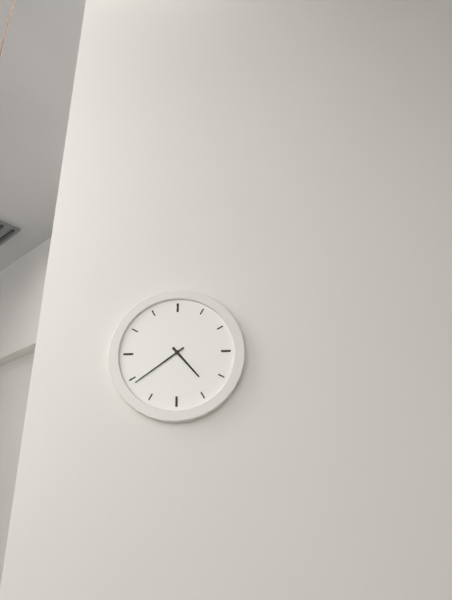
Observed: h=4 m=39
